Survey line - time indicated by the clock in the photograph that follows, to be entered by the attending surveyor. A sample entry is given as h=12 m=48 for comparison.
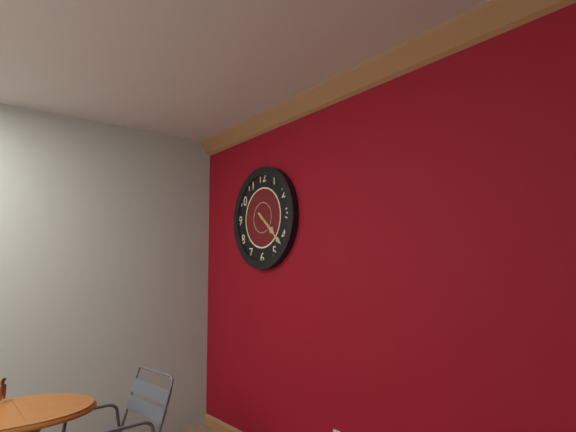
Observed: h=4 m=22
